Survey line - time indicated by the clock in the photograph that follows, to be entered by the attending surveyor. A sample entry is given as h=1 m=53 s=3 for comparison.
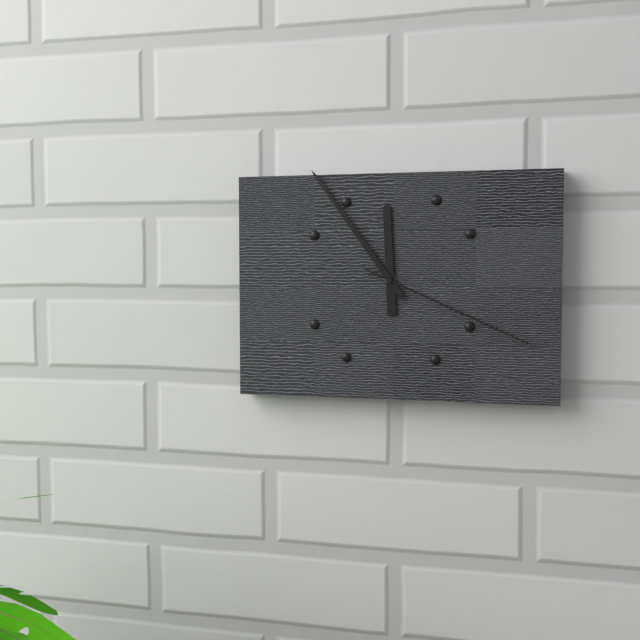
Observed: h=11 m=54 s=19
